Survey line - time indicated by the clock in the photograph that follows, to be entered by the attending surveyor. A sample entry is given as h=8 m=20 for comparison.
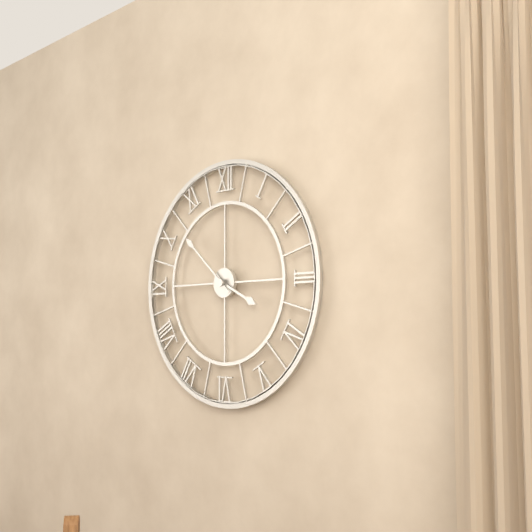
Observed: h=3 m=52
